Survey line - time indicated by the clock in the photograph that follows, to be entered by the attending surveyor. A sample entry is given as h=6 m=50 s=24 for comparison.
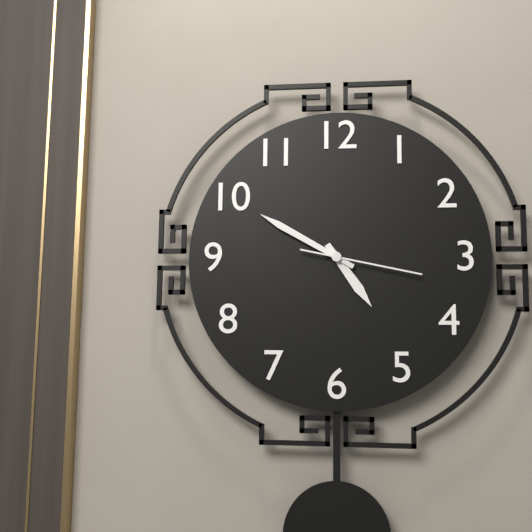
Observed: h=4 m=50 s=17
